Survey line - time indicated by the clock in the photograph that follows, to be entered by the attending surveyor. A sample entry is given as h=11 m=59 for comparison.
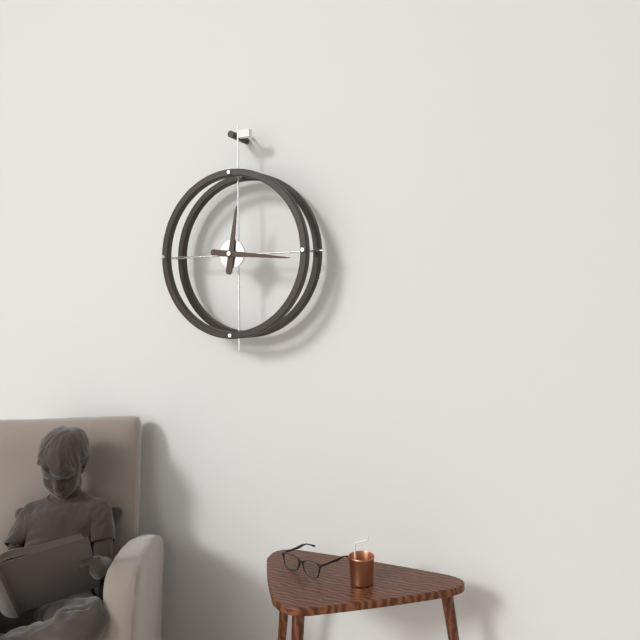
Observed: h=12 m=16
